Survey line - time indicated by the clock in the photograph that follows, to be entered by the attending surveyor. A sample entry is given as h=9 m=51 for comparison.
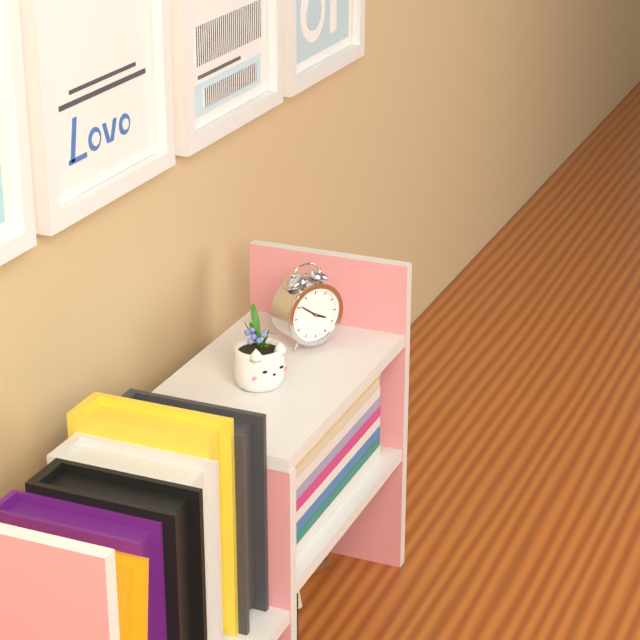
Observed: h=3 m=51
